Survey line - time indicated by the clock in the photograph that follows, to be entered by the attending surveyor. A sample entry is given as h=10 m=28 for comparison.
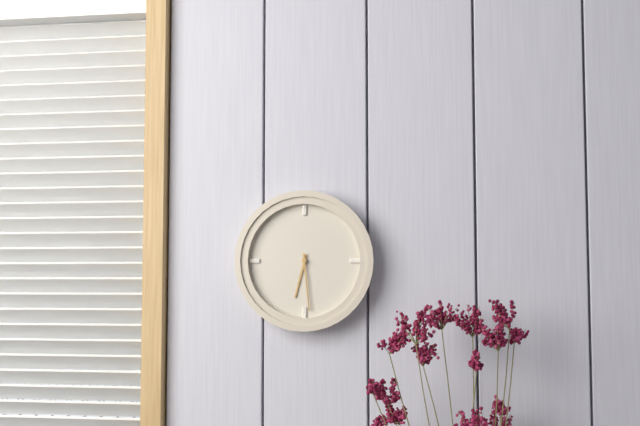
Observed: h=6 m=29
